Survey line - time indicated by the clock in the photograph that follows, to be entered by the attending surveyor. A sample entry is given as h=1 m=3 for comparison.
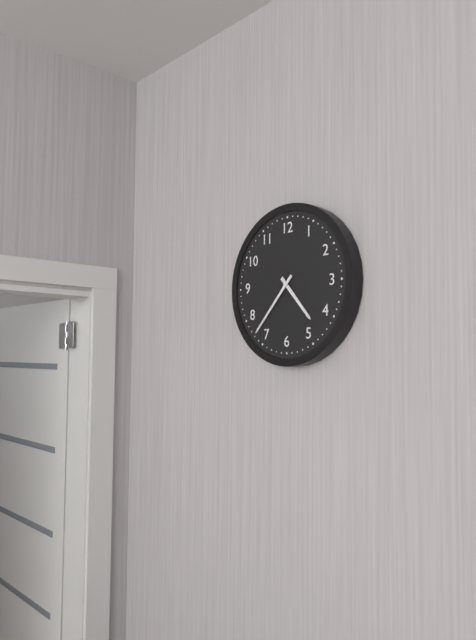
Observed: h=4 m=37
